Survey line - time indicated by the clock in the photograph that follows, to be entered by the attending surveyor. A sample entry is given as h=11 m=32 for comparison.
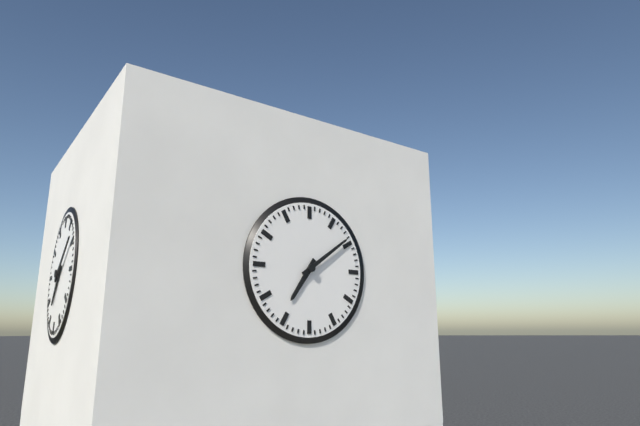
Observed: h=7 m=9
